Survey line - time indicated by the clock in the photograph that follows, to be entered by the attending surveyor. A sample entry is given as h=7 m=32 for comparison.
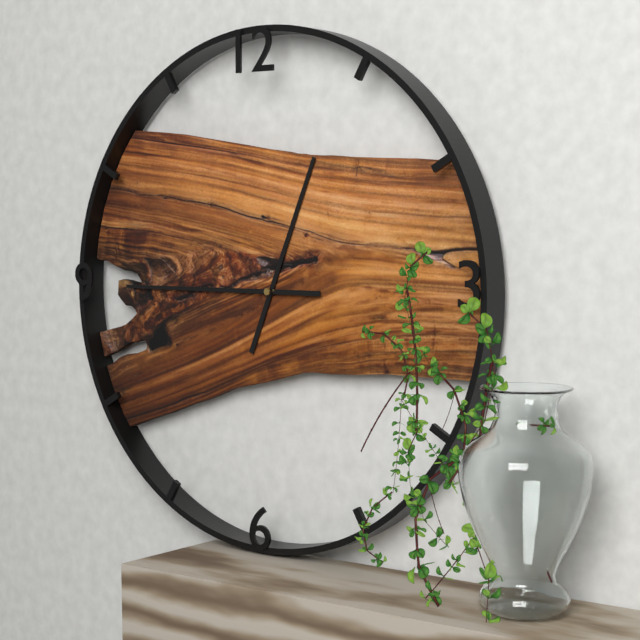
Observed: h=12 m=45
